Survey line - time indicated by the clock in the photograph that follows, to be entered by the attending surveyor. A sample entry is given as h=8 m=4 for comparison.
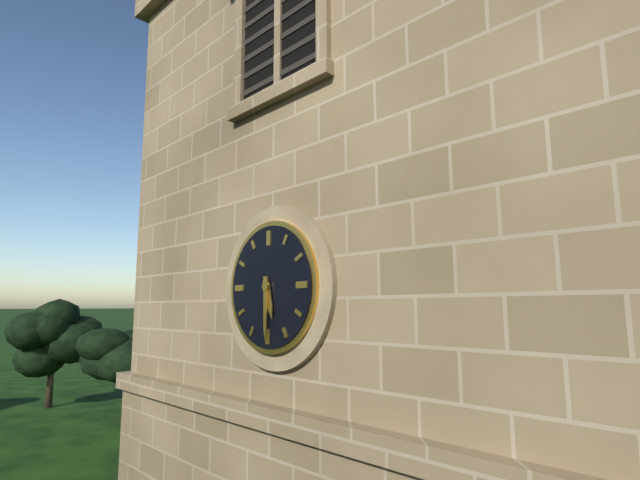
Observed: h=5 m=30
